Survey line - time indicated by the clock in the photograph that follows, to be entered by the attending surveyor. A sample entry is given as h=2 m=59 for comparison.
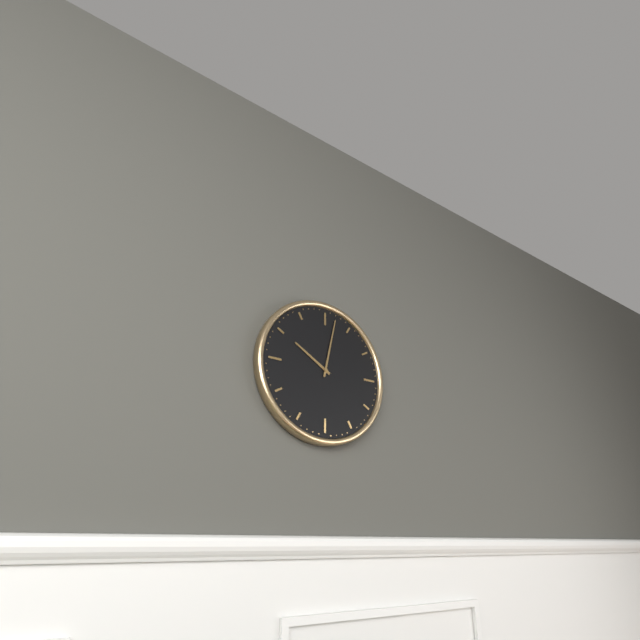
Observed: h=10 m=2
